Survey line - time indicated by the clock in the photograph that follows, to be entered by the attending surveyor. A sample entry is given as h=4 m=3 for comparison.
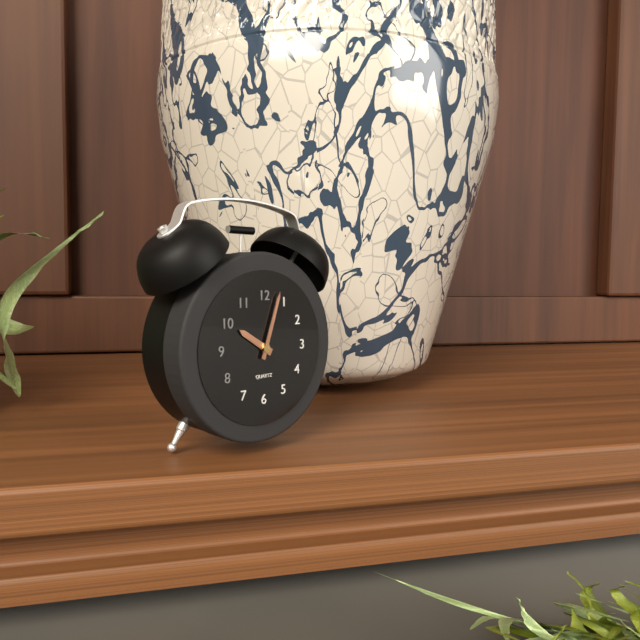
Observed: h=10 m=3
